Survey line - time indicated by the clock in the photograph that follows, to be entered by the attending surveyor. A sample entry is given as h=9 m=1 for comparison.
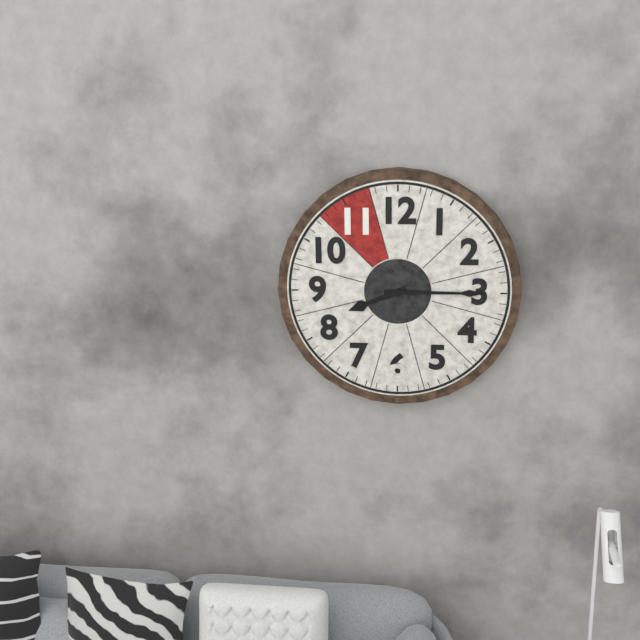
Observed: h=8 m=15
